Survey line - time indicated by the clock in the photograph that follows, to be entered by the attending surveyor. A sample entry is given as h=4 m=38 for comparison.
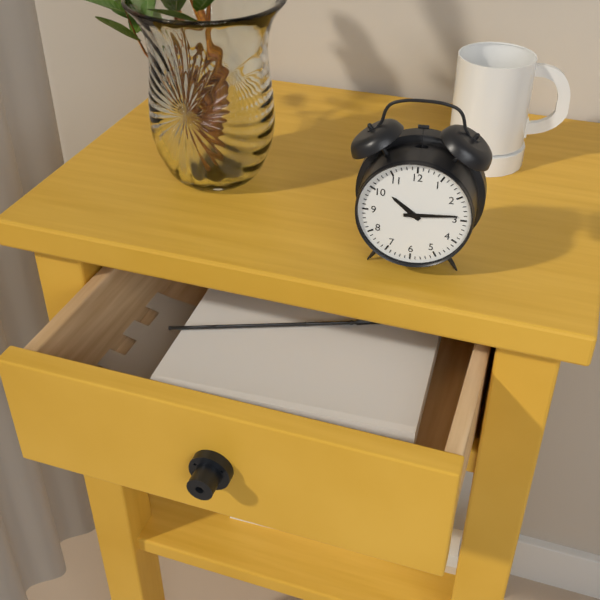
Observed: h=10 m=14
